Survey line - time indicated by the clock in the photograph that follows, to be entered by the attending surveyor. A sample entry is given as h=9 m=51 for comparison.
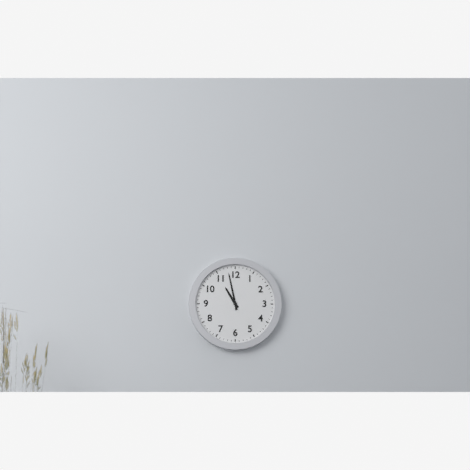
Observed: h=10 m=58
